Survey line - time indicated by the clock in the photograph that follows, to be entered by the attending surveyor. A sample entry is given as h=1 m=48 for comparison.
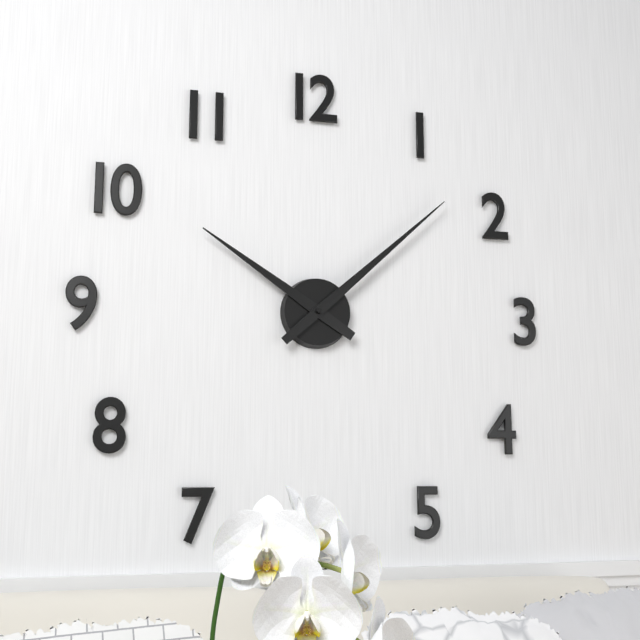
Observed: h=10 m=8
